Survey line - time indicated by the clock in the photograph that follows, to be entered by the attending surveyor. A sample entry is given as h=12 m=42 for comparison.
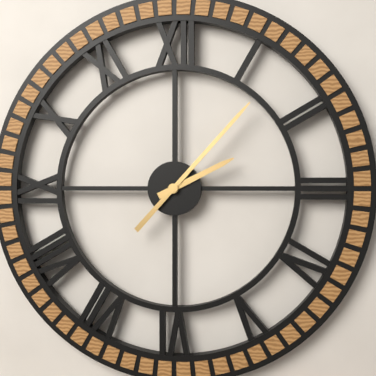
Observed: h=2 m=7
